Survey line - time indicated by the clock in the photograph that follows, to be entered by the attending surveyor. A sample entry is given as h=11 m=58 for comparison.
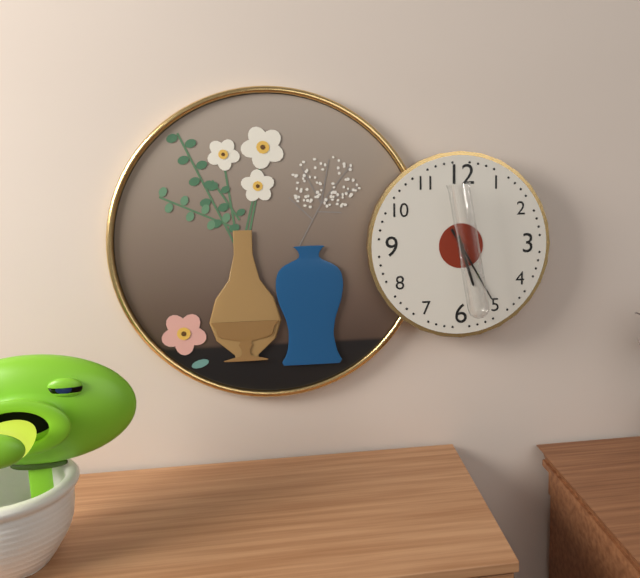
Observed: h=5 m=25
